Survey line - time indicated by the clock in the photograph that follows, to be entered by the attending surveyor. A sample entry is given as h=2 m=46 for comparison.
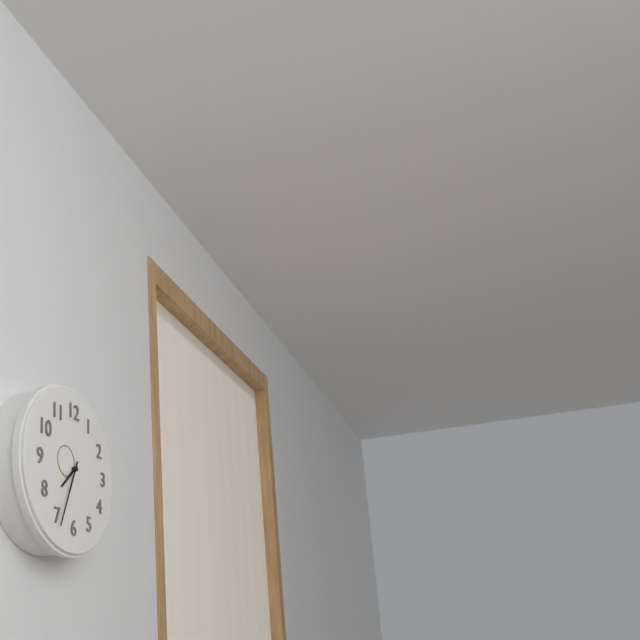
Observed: h=7 m=34
